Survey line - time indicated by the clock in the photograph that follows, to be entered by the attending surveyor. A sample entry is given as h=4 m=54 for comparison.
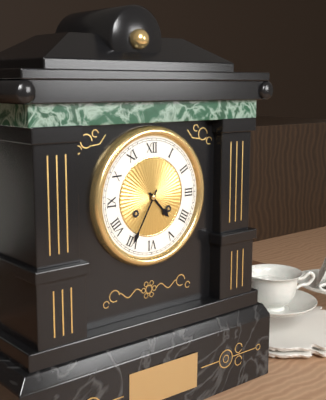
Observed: h=4 m=35
